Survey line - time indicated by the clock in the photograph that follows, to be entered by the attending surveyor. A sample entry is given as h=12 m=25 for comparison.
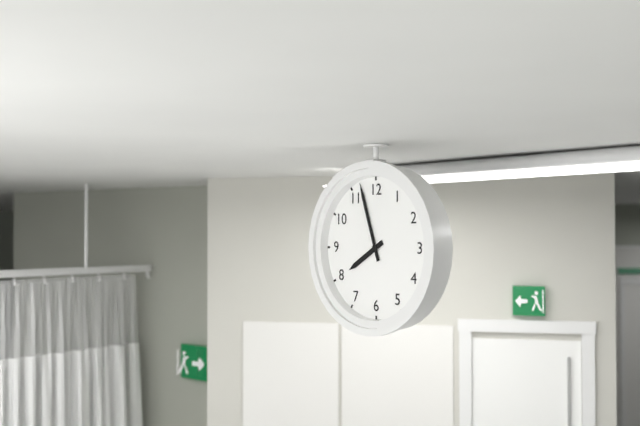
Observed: h=7 m=57
